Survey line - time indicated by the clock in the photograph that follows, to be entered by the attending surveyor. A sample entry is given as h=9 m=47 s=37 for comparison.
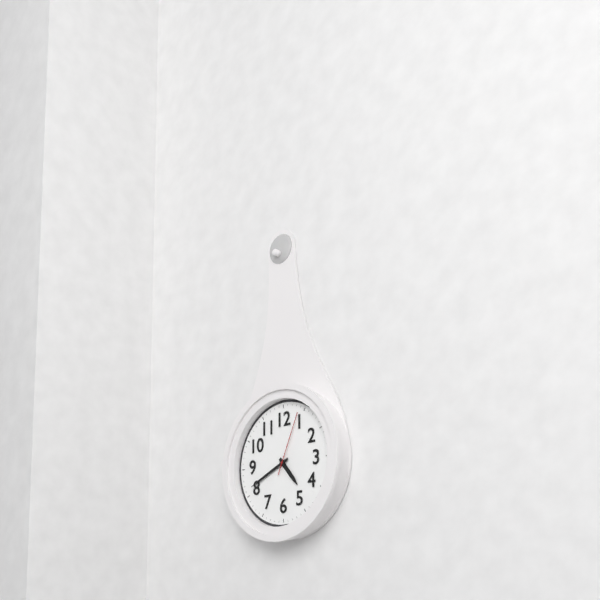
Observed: h=4 m=41 s=4
